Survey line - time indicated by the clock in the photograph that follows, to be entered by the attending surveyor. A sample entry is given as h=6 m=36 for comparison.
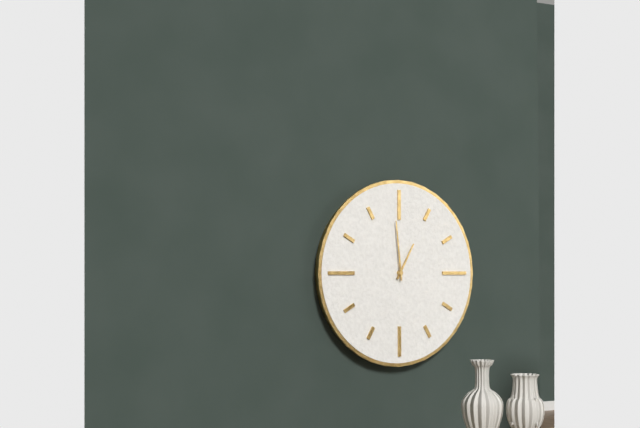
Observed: h=12 m=59
